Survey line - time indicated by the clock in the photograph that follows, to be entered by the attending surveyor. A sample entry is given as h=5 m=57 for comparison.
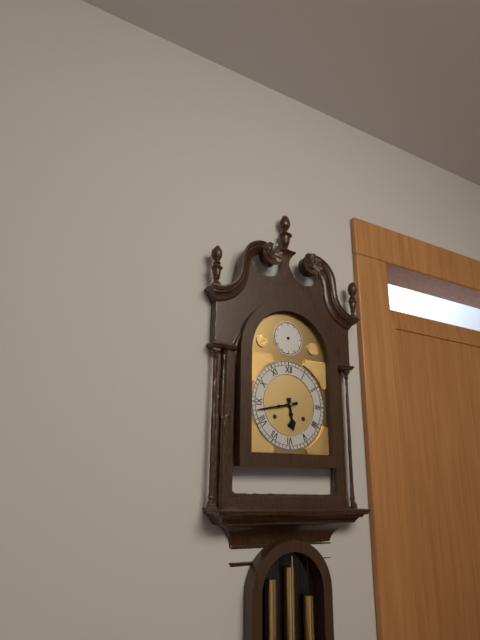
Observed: h=5 m=43
